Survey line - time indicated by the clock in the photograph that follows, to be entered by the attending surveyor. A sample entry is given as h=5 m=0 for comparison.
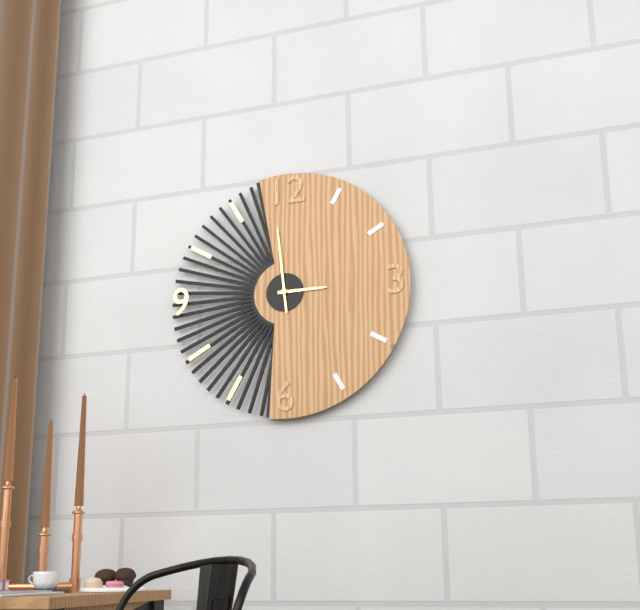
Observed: h=2 m=59
